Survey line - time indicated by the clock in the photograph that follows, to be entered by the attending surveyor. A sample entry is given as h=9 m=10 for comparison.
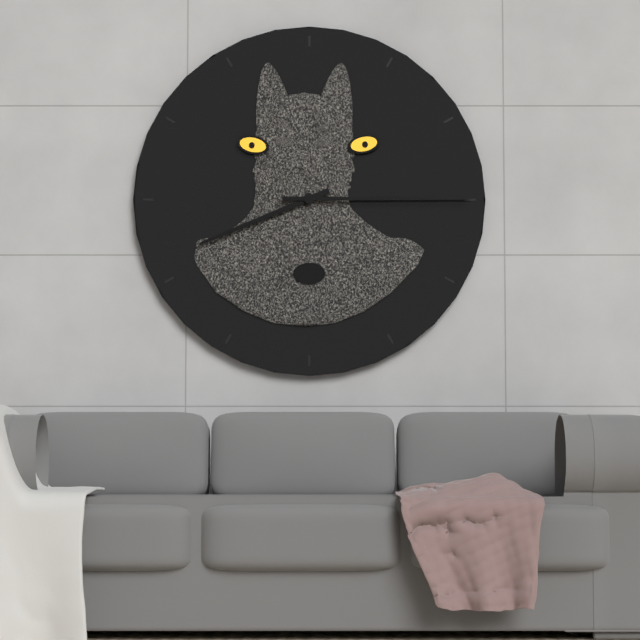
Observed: h=8 m=15
